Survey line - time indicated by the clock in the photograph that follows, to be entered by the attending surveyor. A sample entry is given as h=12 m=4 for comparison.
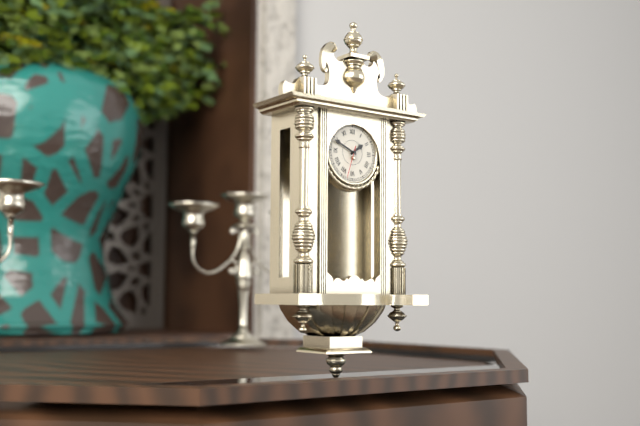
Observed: h=1 m=49
